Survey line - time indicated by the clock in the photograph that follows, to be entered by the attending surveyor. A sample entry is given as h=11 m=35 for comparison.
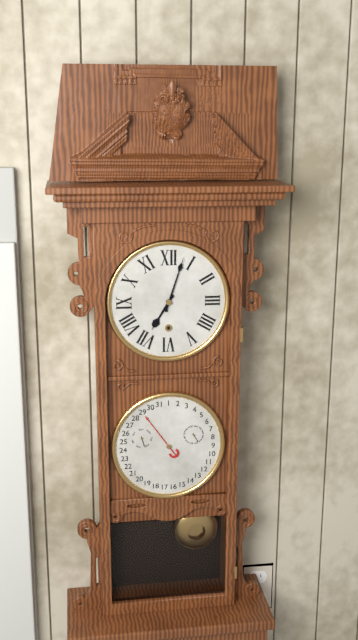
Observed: h=7 m=3
